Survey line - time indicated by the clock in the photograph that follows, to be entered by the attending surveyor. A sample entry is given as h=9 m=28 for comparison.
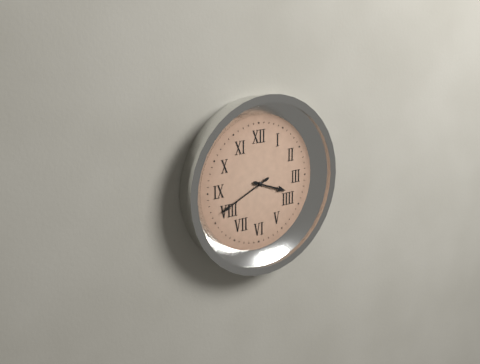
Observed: h=3 m=41
